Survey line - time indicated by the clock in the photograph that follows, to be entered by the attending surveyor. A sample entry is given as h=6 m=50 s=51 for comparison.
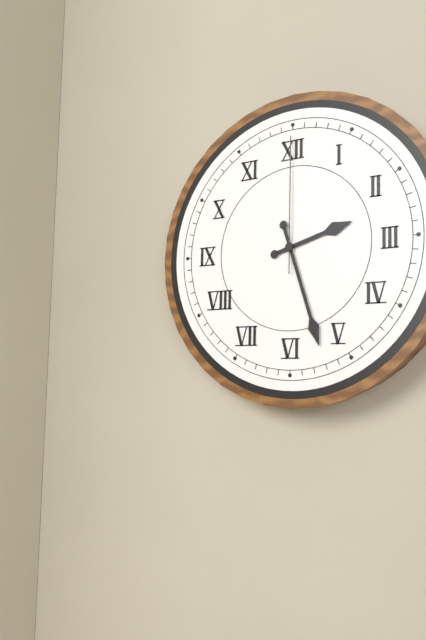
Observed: h=2 m=27 s=0
